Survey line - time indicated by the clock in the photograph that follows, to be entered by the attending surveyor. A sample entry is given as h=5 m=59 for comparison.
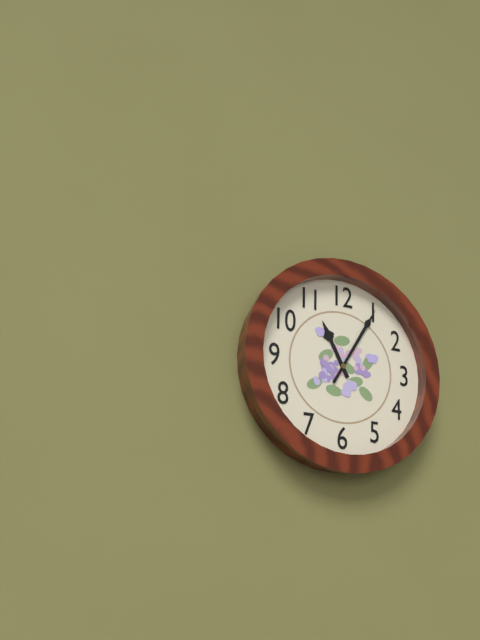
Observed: h=11 m=5
